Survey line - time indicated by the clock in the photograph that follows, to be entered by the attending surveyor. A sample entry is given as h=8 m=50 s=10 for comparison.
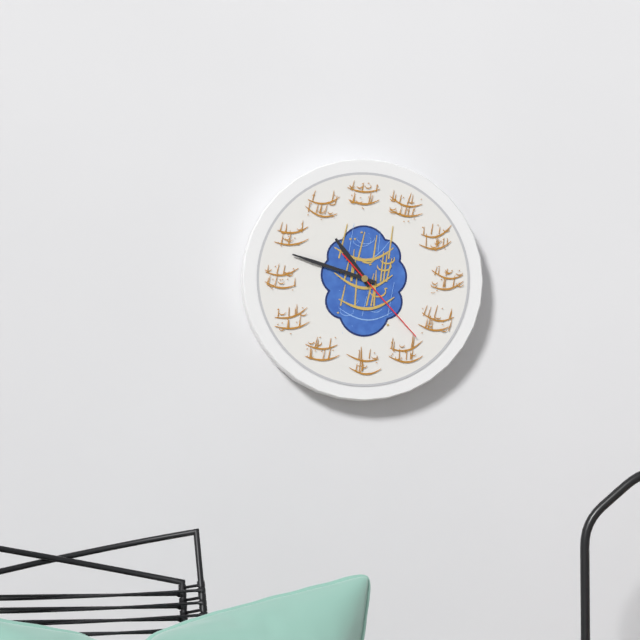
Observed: h=10 m=48 s=23
